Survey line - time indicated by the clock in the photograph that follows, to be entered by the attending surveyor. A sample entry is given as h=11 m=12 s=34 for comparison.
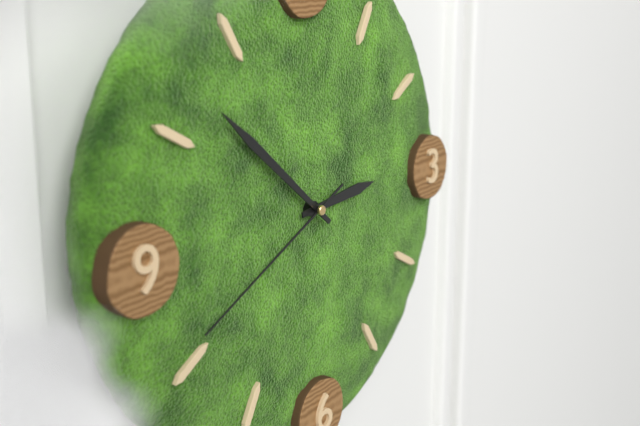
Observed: h=2 m=52 s=41
